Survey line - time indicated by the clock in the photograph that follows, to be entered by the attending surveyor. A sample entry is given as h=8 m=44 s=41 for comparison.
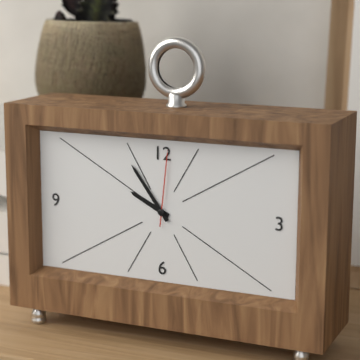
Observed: h=9 m=54 s=1
